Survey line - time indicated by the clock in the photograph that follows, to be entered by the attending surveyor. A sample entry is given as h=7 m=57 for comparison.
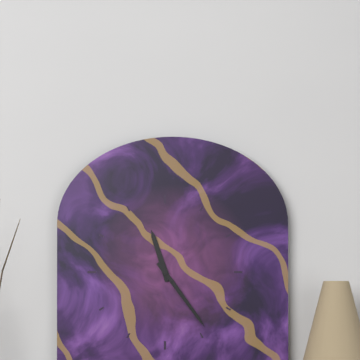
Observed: h=11 m=24
